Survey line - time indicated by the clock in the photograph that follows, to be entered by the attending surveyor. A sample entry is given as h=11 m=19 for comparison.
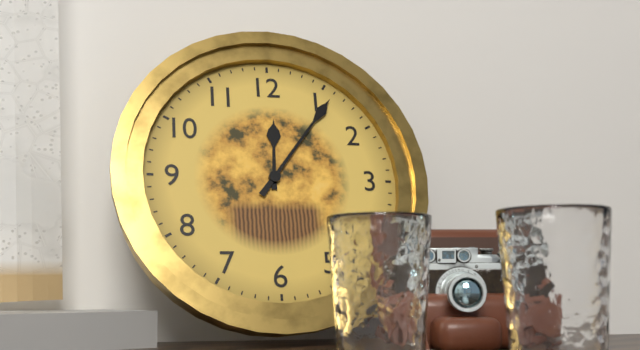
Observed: h=12 m=6
